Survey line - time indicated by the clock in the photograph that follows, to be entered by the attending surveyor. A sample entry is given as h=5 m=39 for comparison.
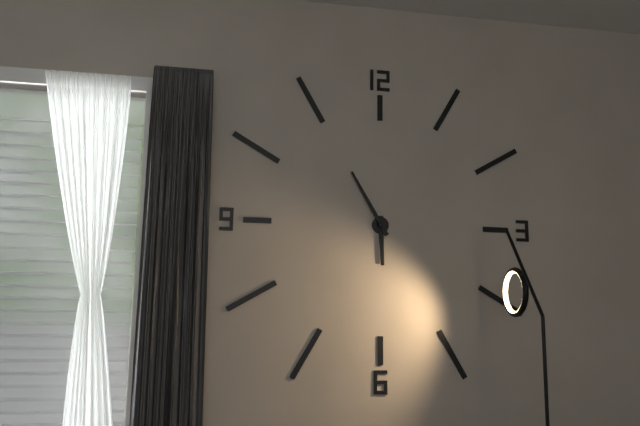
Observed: h=5 m=55
